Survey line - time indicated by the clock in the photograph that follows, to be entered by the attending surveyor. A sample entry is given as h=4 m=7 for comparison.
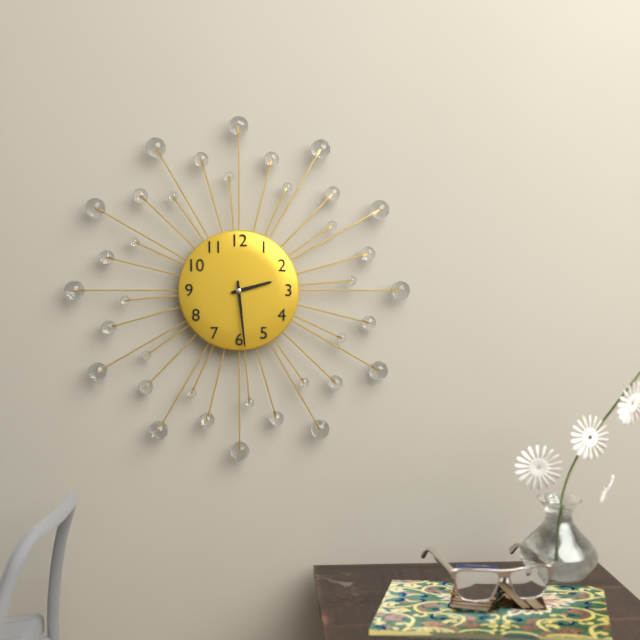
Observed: h=2 m=29
